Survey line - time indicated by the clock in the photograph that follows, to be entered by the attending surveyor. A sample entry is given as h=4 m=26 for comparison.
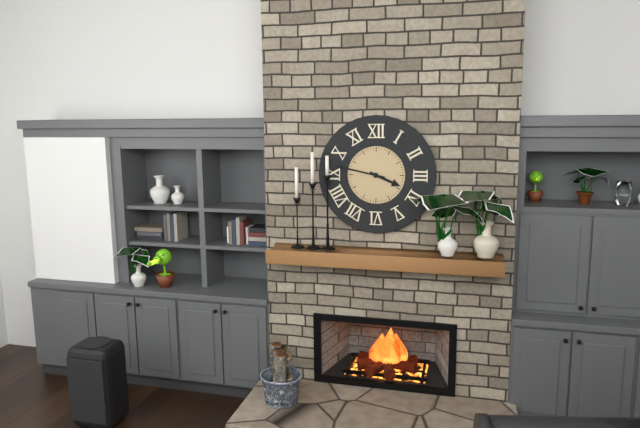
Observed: h=3 m=47
